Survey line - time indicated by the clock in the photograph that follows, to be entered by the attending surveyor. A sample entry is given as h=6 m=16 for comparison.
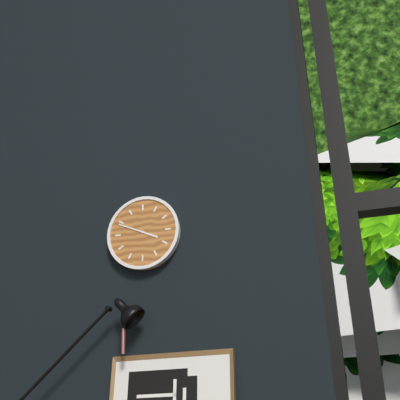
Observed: h=3 m=49
